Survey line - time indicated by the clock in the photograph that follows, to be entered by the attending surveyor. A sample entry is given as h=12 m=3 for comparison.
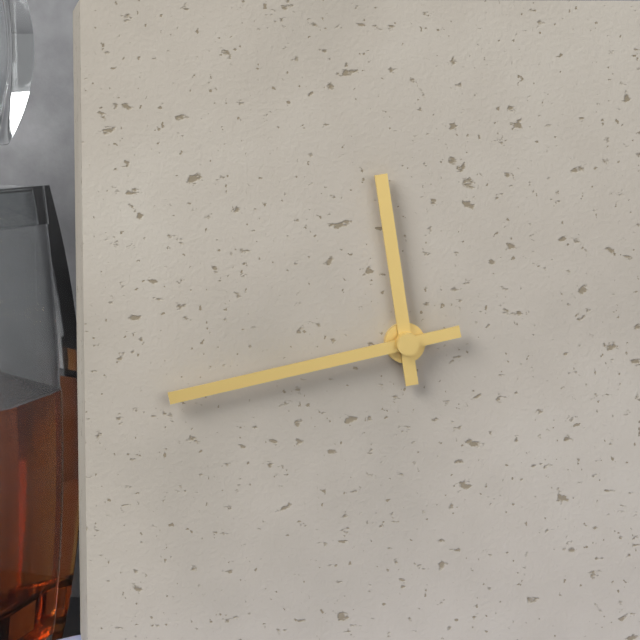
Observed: h=11 m=43
